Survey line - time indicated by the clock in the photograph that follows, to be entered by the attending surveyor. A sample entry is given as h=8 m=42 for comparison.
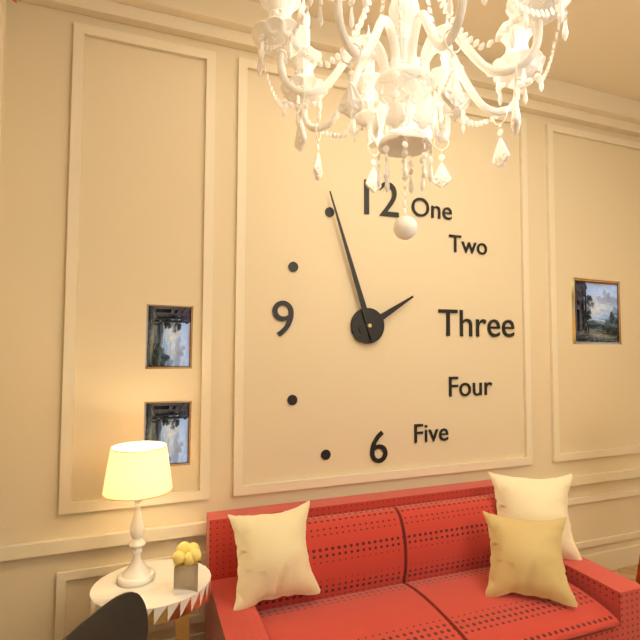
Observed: h=1 m=57
